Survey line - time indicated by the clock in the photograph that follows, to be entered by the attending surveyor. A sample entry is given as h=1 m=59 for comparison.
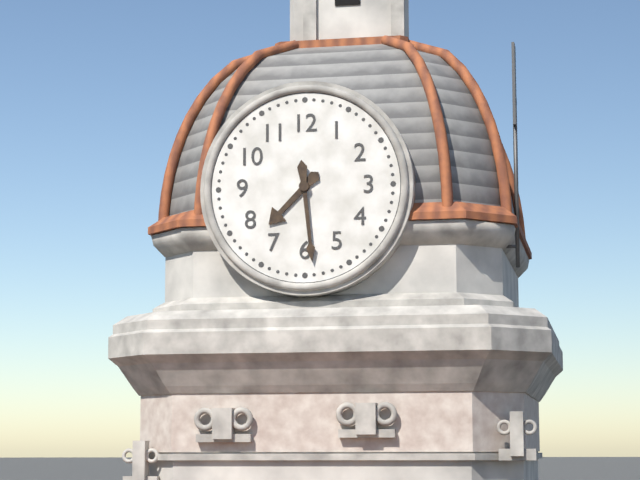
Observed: h=7 m=29
